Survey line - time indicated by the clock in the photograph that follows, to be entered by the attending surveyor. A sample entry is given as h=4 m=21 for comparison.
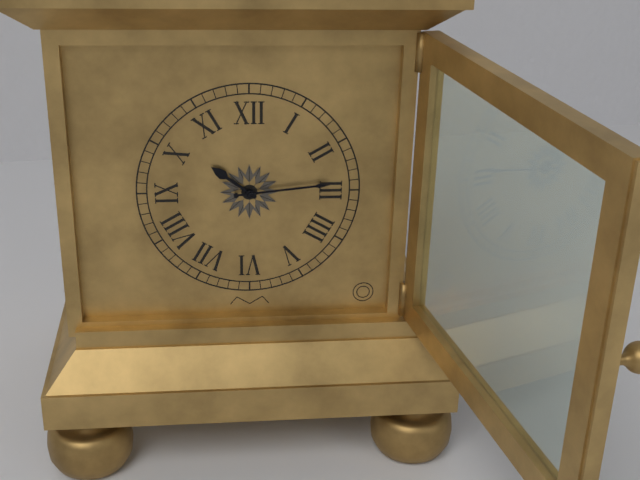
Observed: h=10 m=14
